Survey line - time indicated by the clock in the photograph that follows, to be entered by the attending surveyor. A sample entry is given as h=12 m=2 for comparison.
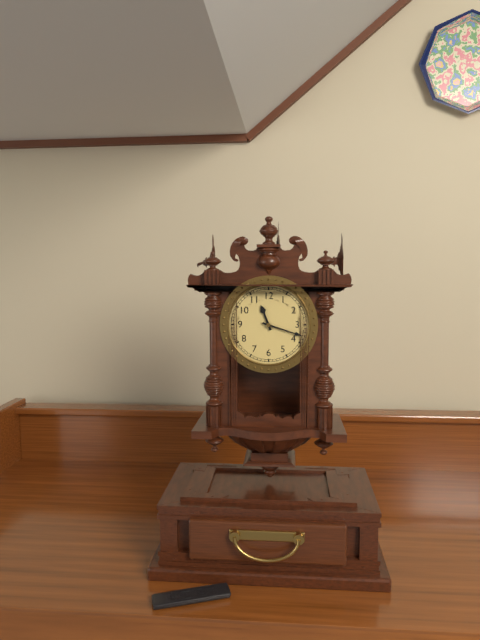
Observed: h=11 m=18
